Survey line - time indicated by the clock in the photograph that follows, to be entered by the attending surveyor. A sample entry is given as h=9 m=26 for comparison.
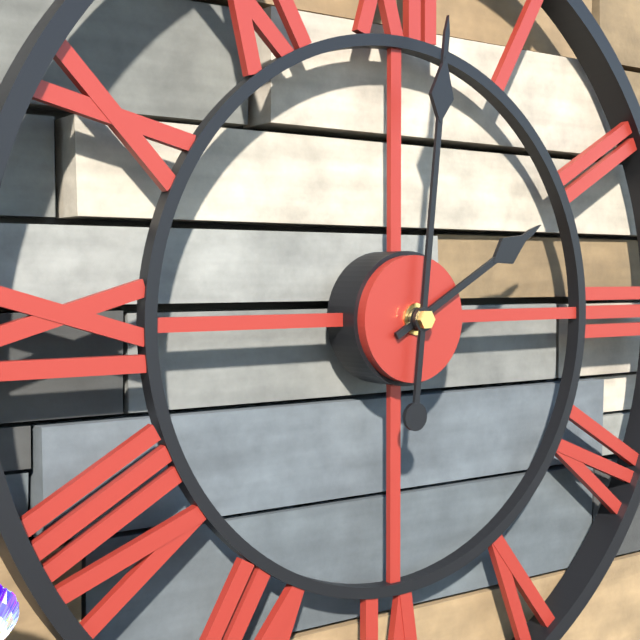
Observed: h=2 m=1
